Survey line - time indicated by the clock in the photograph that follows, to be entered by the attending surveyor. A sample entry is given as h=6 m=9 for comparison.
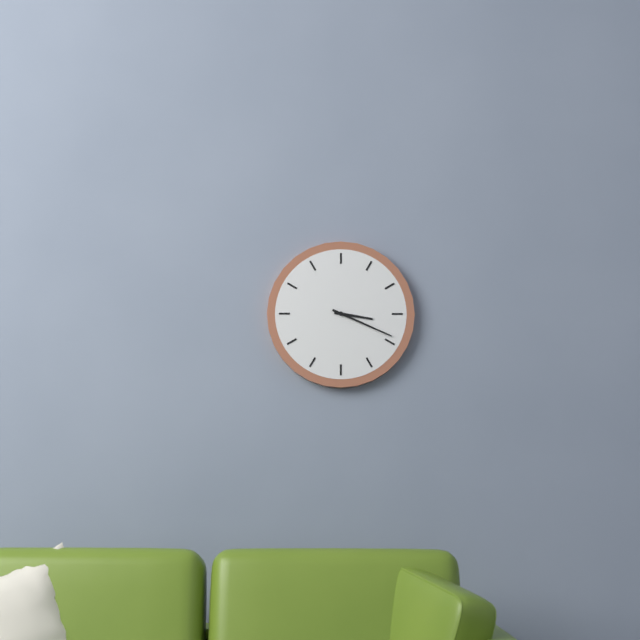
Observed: h=3 m=19
